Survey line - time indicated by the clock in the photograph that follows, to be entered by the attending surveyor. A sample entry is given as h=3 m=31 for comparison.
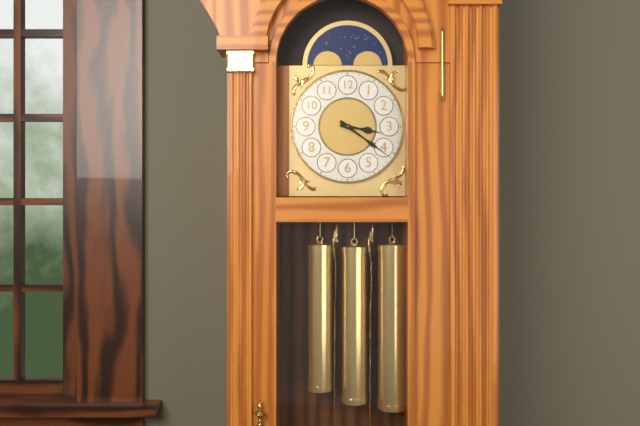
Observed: h=3 m=21
